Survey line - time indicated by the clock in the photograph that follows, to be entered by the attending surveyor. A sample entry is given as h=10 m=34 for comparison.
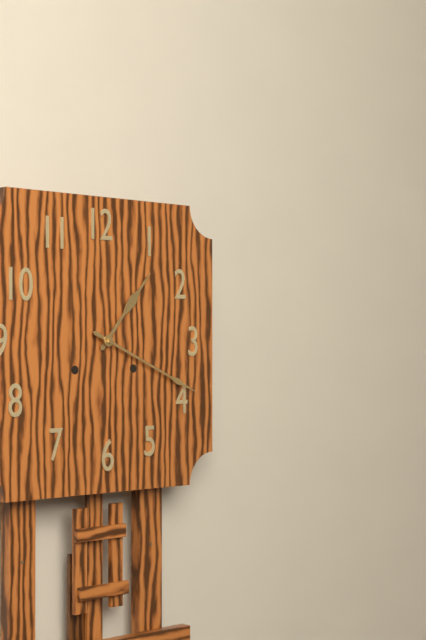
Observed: h=1 m=19
